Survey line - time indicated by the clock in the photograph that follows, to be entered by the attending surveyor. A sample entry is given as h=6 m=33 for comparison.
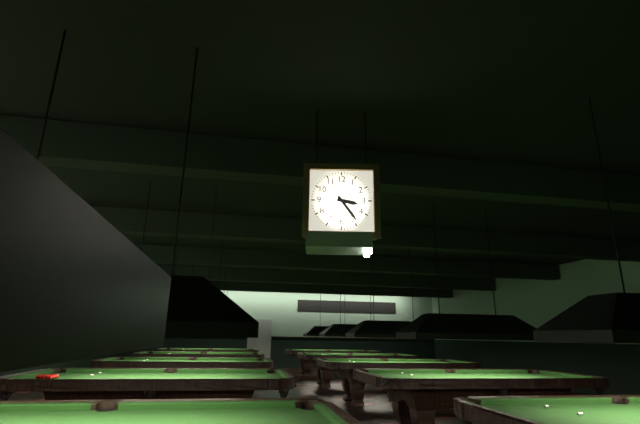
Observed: h=3 m=24
